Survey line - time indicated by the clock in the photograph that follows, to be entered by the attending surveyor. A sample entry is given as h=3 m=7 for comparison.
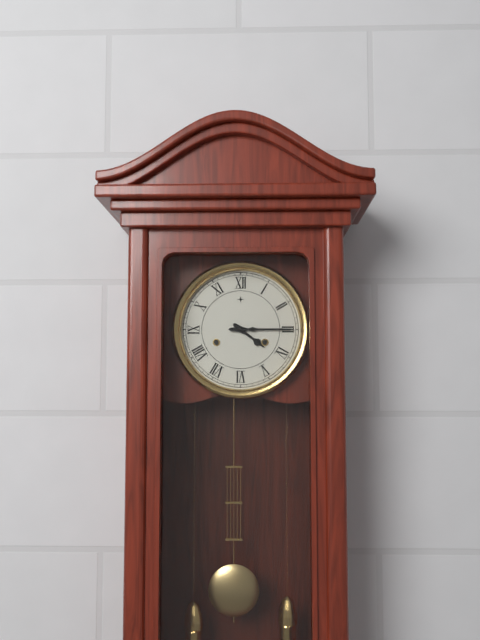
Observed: h=4 m=15
